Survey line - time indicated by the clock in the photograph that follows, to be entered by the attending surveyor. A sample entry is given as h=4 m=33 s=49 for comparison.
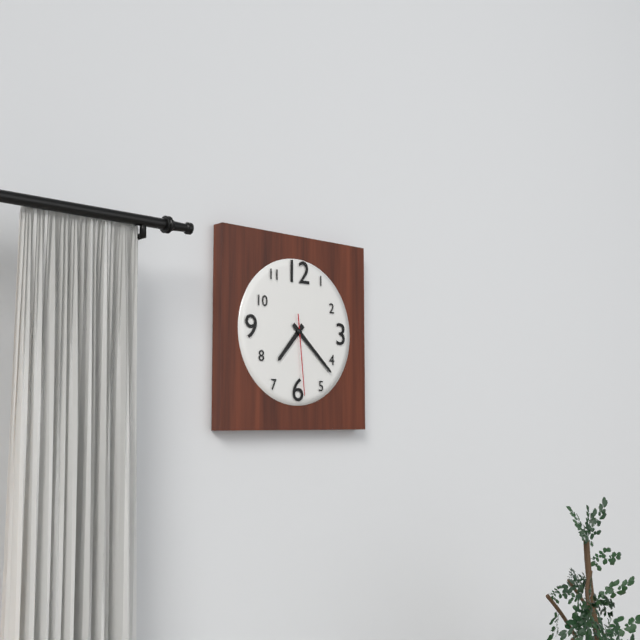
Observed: h=7 m=22 s=29
